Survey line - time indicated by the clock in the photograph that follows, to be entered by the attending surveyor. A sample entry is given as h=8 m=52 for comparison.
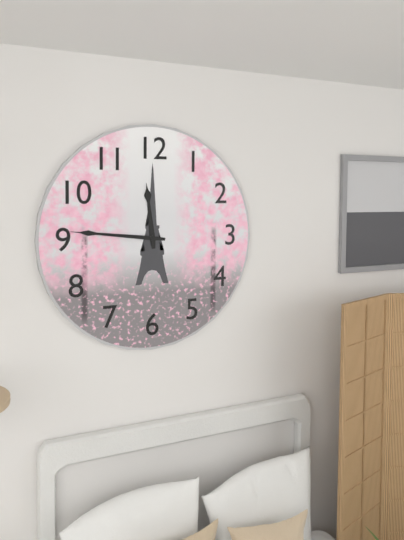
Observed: h=11 m=46
